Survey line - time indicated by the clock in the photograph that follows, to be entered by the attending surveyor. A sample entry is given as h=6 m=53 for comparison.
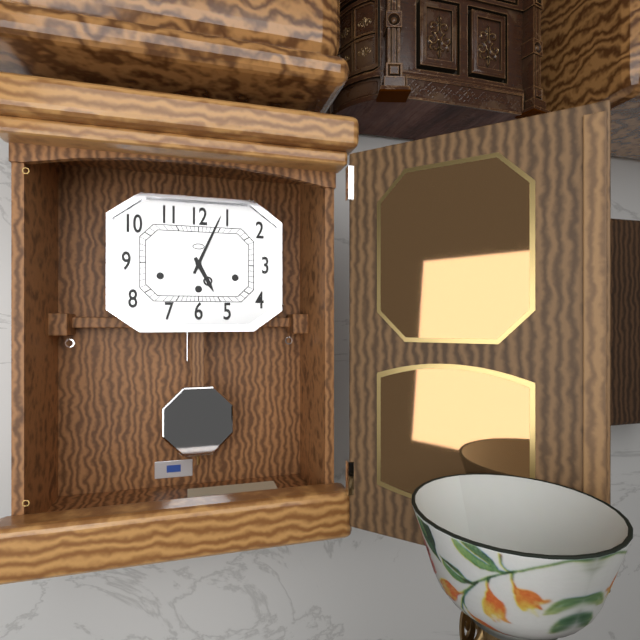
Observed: h=5 m=4
